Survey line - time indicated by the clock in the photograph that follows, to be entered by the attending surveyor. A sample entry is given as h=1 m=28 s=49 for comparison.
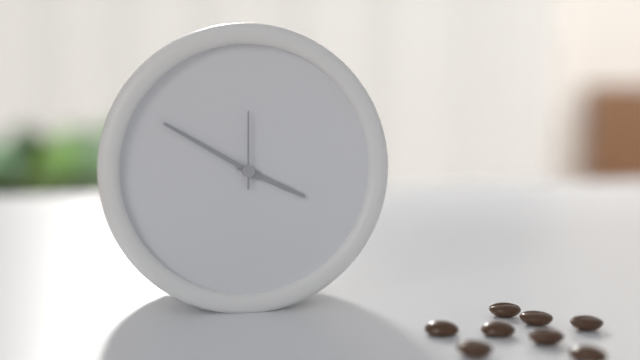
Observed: h=3 m=50 s=0
